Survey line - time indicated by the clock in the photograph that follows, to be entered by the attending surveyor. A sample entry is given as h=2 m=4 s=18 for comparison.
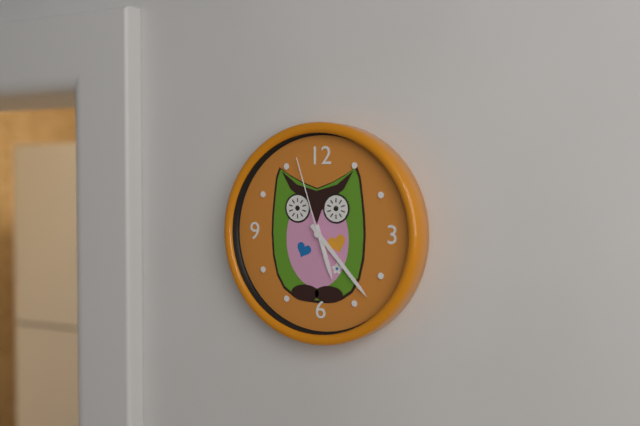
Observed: h=5 m=23 s=57
